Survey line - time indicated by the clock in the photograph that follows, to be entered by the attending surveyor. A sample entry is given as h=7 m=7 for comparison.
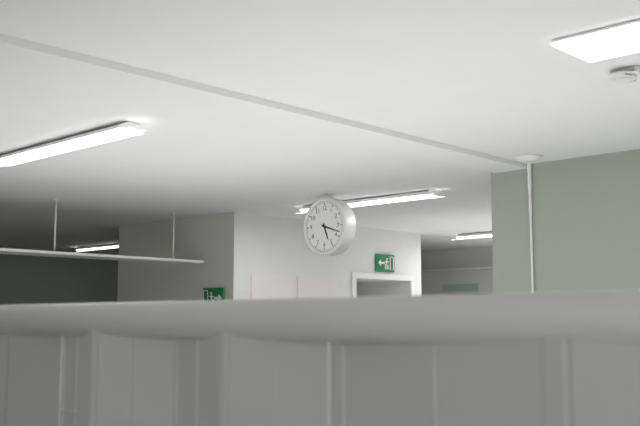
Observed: h=5 m=18
